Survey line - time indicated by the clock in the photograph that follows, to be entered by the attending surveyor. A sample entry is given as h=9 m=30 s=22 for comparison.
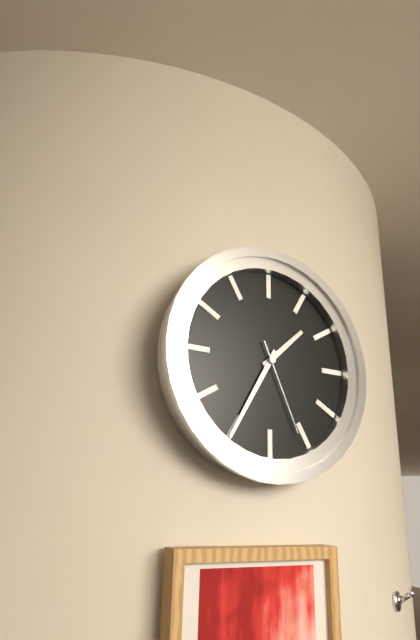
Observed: h=1 m=35 s=26
